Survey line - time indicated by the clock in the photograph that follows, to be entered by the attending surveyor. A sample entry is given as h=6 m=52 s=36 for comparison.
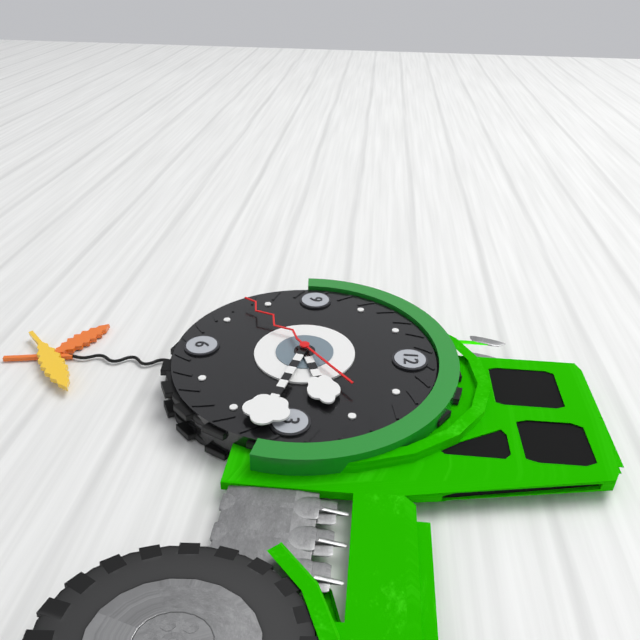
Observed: h=2 m=17 s=38
